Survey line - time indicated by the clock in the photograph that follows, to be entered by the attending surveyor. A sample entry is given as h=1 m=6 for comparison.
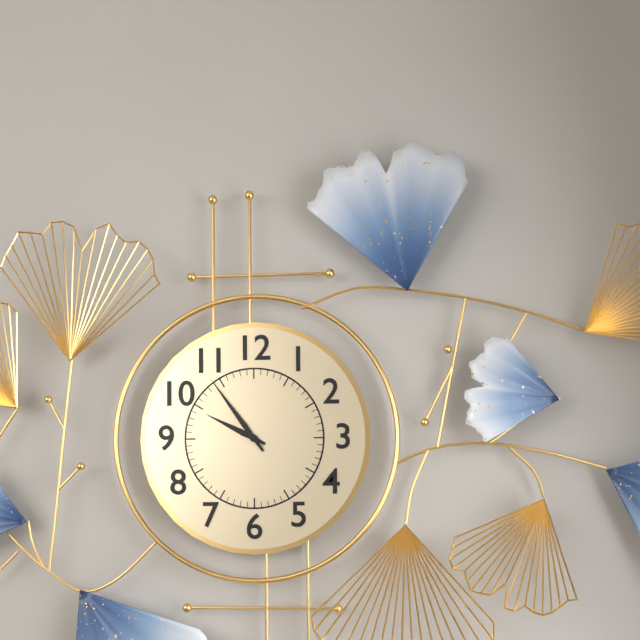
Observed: h=9 m=54
